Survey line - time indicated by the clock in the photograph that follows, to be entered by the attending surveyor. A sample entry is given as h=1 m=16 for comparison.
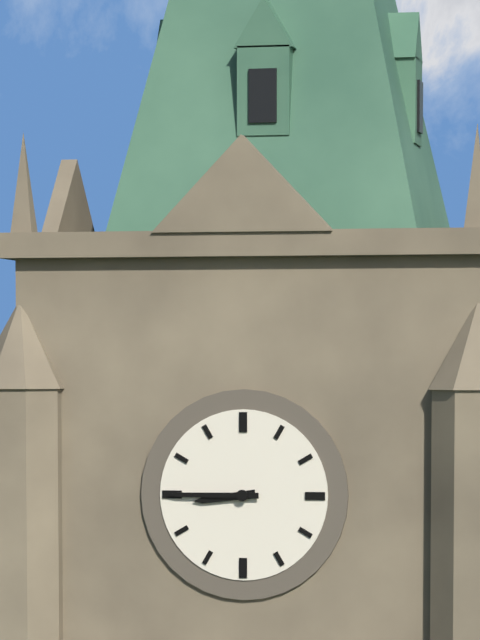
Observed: h=8 m=45
